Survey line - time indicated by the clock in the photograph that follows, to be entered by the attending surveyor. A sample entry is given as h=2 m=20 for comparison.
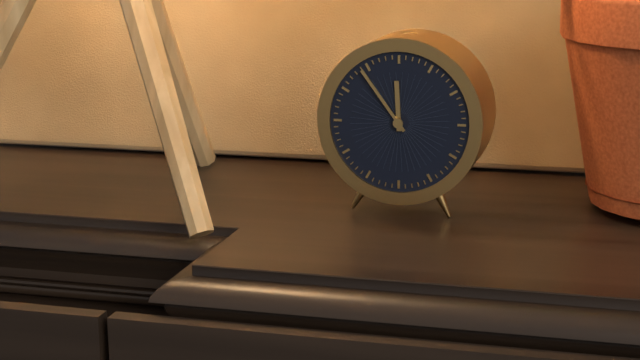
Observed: h=11 m=54
